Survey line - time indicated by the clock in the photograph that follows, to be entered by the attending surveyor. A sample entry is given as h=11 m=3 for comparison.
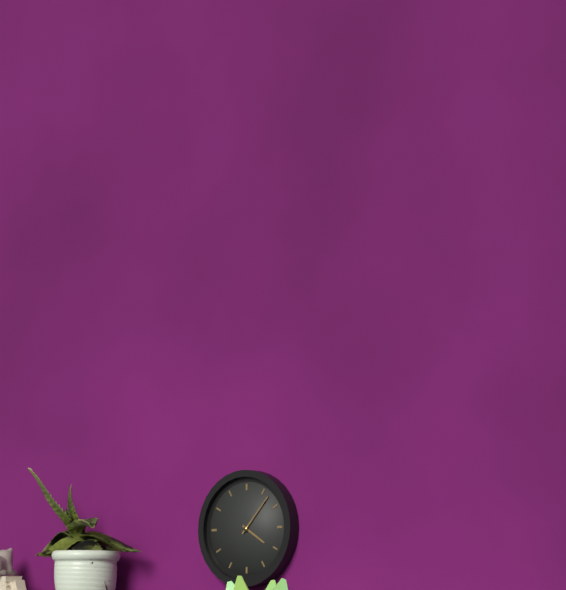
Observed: h=4 m=7
